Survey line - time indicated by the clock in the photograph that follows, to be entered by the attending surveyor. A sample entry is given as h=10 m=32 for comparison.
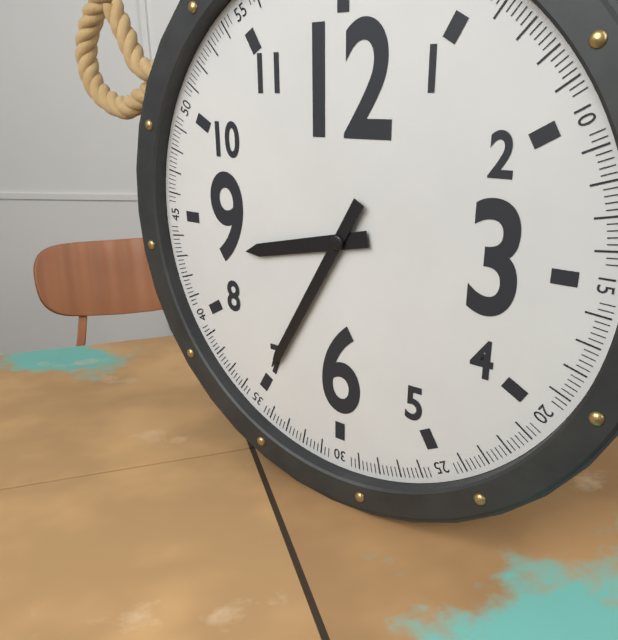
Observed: h=8 m=35
